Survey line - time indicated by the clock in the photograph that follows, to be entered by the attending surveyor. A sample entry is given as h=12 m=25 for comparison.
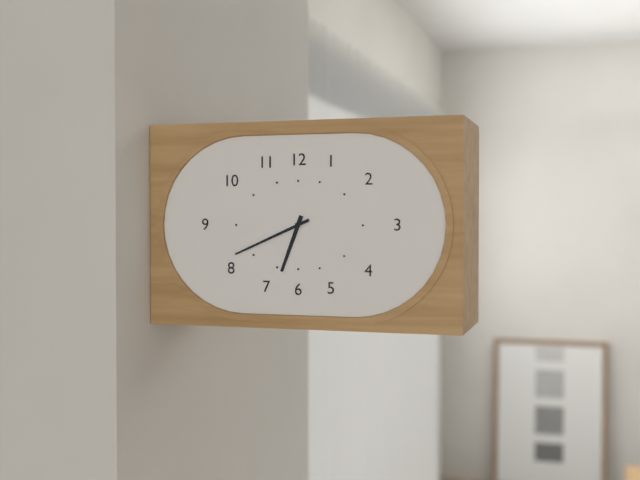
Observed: h=6 m=41
